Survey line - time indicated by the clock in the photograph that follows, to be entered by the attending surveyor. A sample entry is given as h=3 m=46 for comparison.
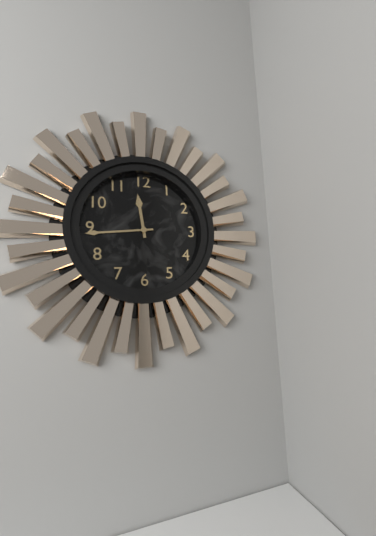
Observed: h=11 m=44
